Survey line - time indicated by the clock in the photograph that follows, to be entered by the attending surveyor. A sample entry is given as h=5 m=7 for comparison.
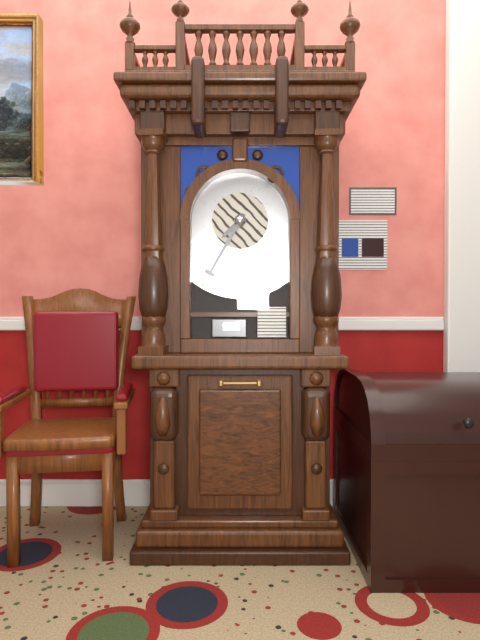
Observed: h=7 m=35
